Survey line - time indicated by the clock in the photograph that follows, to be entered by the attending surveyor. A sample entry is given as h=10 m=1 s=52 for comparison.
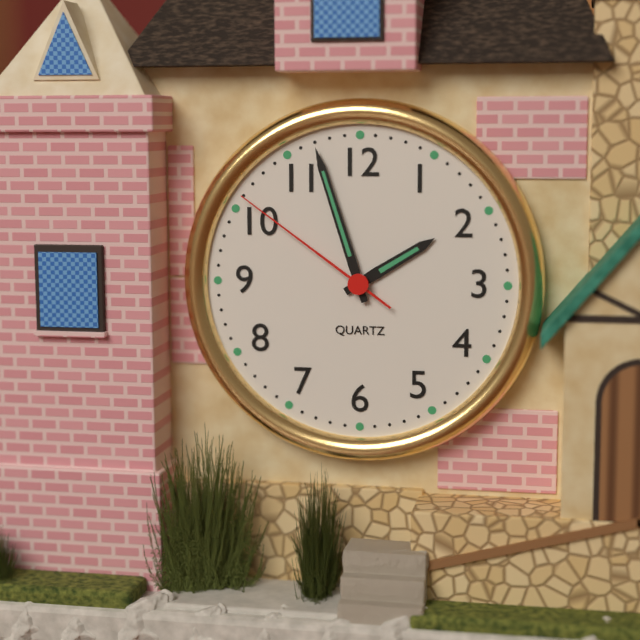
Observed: h=1 m=57 s=51
